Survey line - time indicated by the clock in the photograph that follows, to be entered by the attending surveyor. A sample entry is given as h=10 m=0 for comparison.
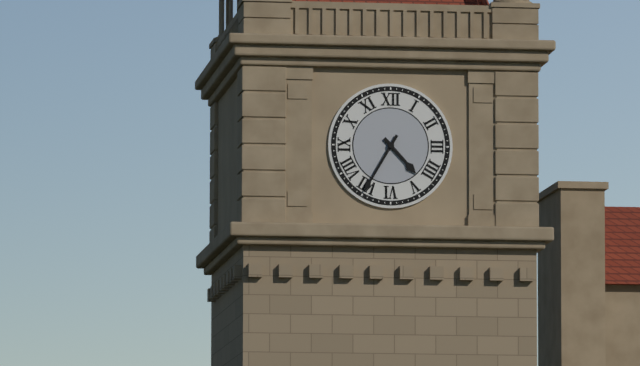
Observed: h=4 m=35
